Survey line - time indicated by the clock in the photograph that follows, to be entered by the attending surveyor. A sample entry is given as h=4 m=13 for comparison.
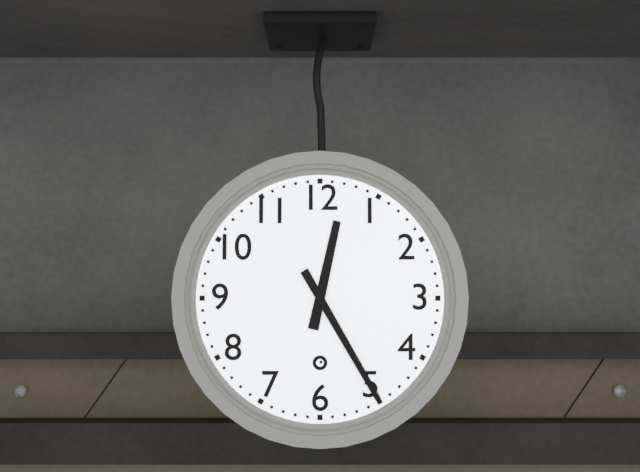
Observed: h=12 m=25
